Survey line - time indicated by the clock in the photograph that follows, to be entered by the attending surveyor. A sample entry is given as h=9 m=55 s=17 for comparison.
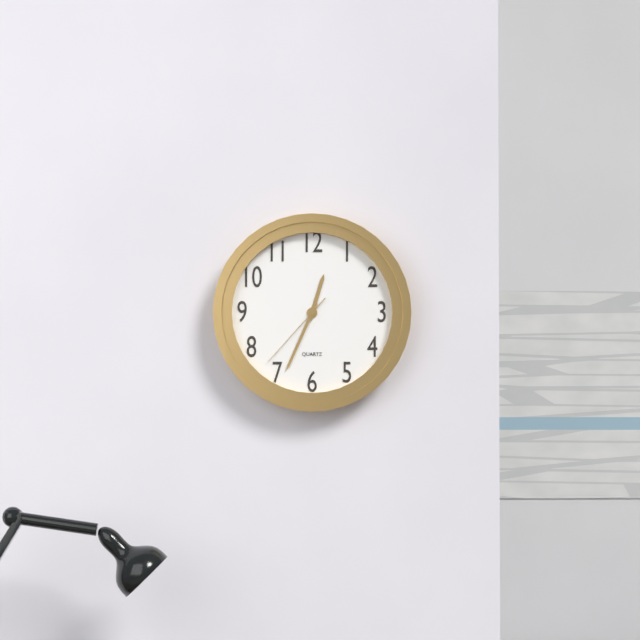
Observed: h=12 m=34 s=37
